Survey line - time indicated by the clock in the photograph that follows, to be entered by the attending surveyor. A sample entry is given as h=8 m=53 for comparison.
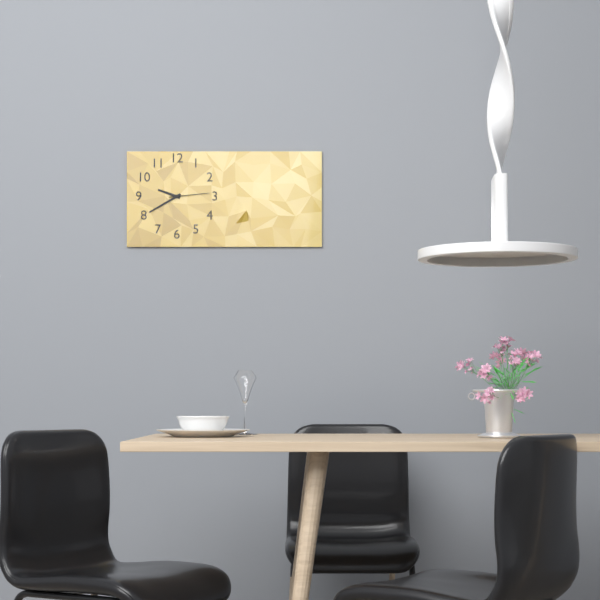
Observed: h=9 m=40
